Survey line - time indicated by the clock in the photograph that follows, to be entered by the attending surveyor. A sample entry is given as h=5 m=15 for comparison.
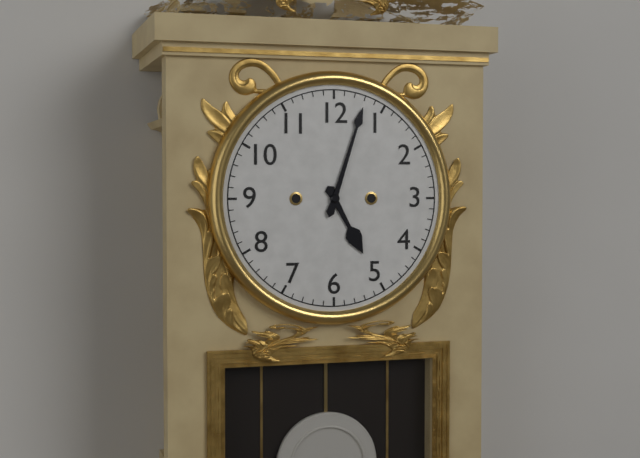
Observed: h=5 m=3
